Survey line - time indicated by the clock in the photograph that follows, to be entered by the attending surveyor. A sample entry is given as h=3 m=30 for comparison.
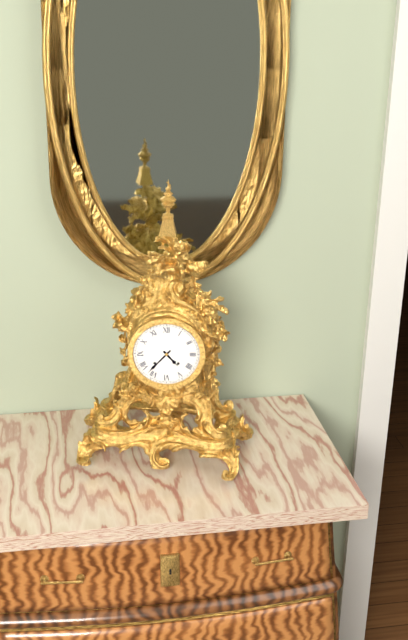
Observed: h=4 m=37
